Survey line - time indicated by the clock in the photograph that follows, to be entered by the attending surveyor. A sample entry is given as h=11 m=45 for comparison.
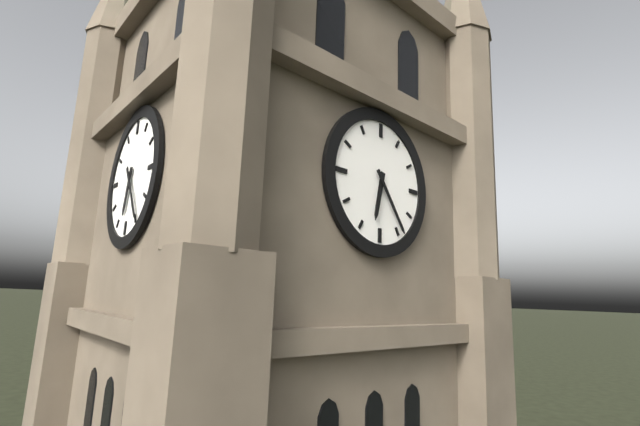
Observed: h=6 m=24
